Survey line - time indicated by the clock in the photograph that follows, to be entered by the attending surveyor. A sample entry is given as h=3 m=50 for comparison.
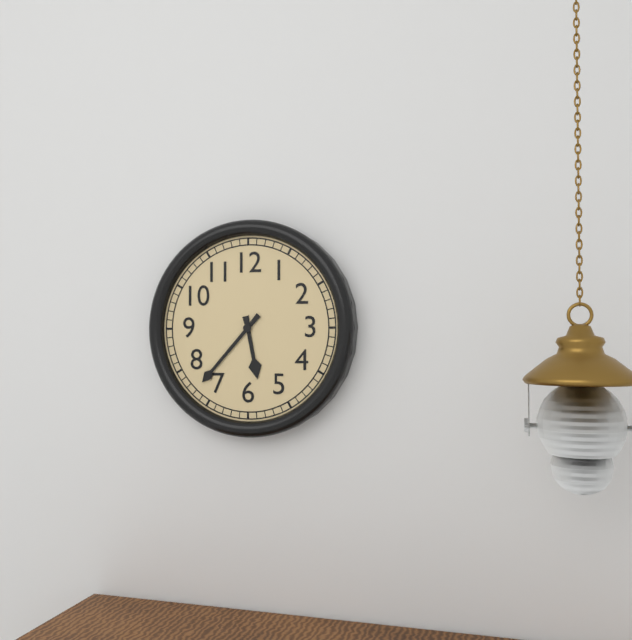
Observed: h=5 m=37
